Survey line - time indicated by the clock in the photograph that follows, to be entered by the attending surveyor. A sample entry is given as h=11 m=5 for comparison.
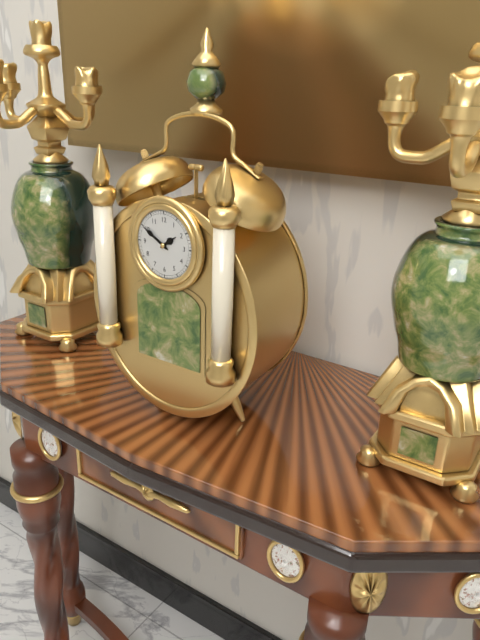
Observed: h=1 m=50
